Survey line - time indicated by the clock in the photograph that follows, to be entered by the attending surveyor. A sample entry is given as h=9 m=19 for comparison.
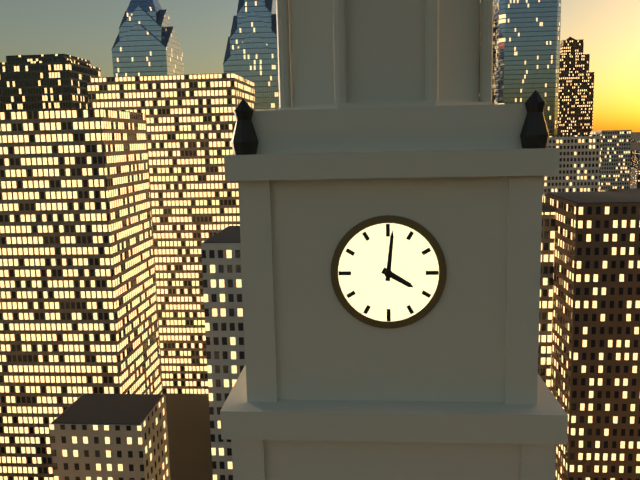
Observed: h=4 m=1
